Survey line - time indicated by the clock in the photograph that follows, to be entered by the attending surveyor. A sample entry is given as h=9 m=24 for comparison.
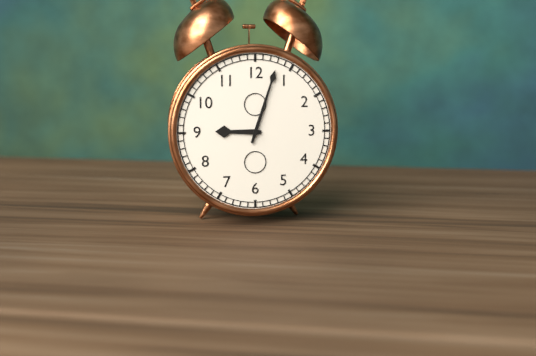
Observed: h=9 m=3
